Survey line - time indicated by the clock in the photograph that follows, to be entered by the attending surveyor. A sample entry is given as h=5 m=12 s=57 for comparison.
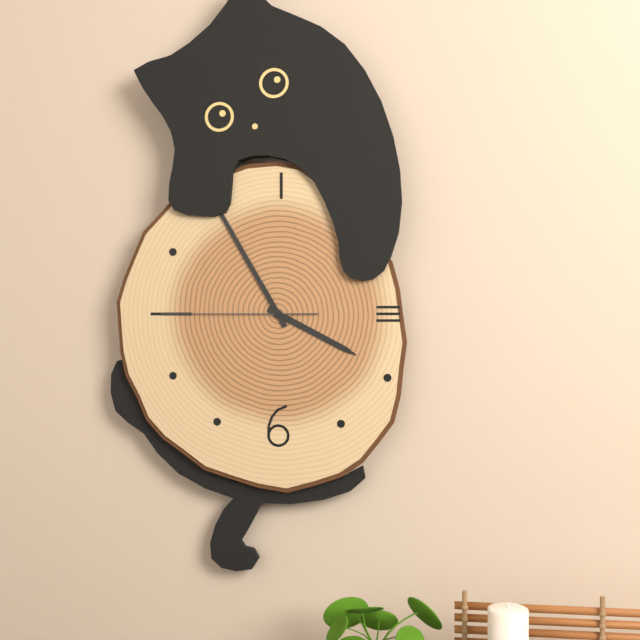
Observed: h=3 m=55 s=45
